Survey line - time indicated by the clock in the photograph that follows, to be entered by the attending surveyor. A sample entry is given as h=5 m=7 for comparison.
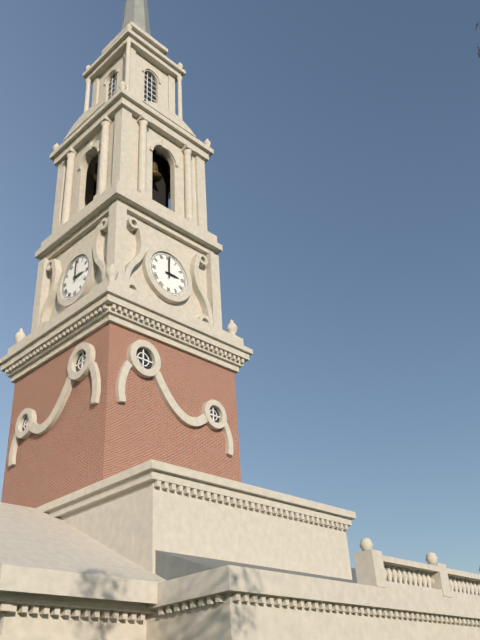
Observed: h=3 m=0
